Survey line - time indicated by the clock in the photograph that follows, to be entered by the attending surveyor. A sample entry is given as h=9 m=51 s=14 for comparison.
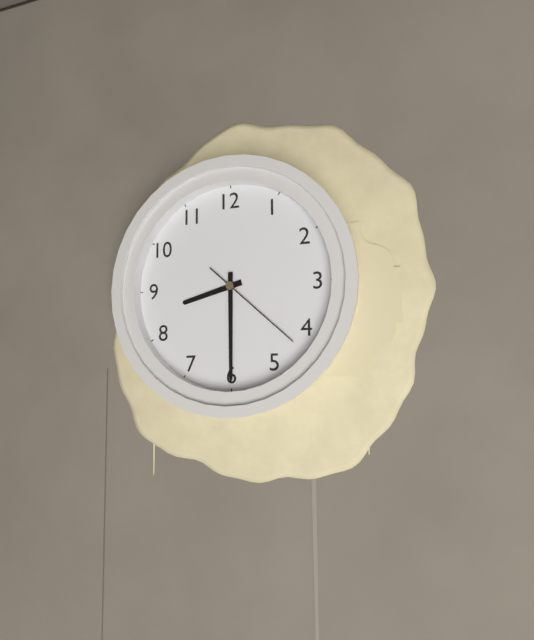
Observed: h=8 m=30 s=22
